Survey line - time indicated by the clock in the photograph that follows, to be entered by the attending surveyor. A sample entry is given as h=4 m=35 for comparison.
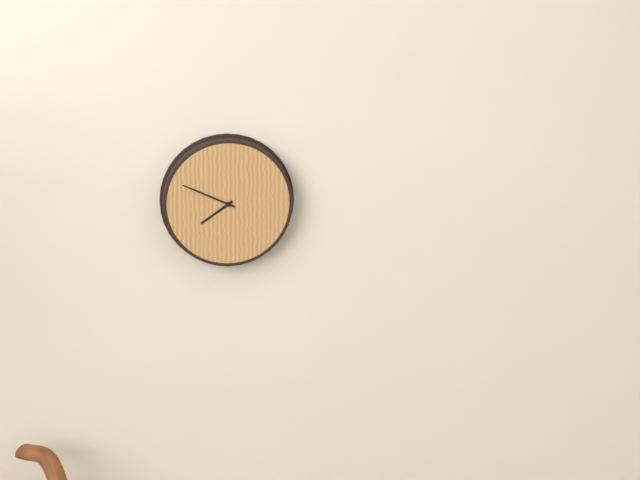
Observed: h=7 m=49
